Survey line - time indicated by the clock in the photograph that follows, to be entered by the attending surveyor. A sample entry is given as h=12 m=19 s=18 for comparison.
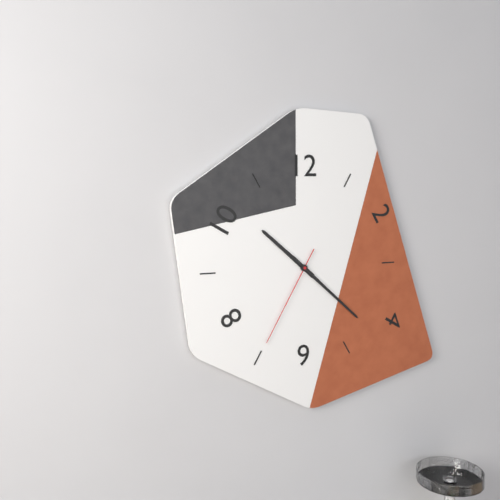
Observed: h=10 m=22 s=35
